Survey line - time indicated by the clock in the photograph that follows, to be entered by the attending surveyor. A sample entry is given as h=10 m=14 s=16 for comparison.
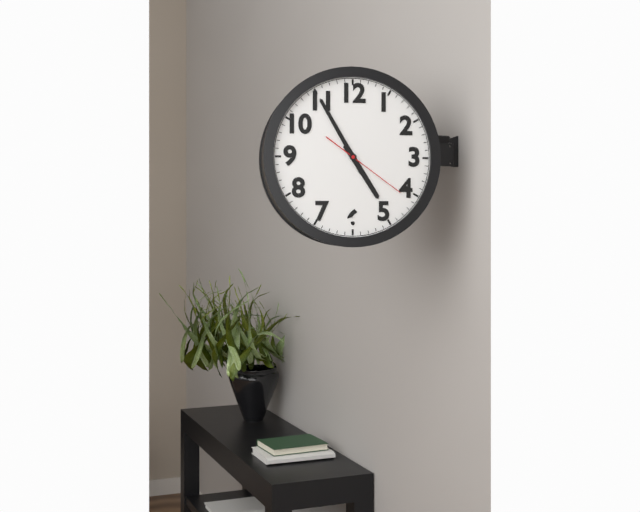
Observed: h=4 m=55 s=21
